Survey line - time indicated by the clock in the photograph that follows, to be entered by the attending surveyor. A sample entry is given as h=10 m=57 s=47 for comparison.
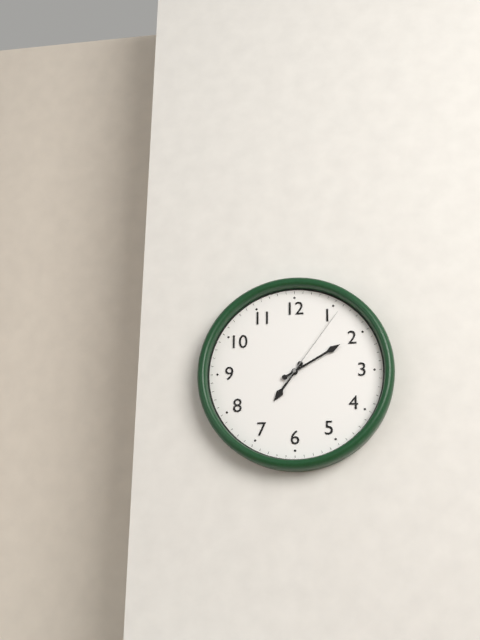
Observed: h=7 m=10 s=6
